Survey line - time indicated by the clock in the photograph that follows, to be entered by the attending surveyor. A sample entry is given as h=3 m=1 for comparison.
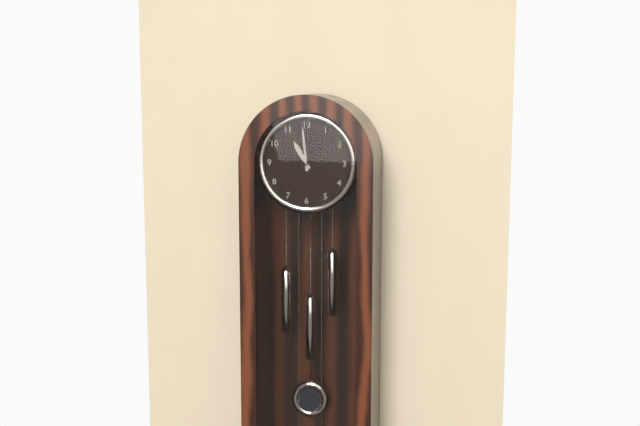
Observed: h=10 m=59
